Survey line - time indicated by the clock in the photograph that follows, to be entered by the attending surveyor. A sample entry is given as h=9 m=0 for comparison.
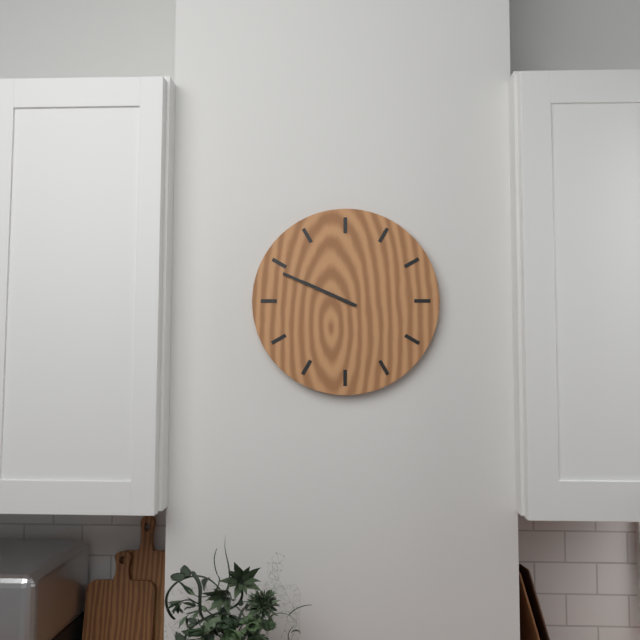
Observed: h=9 m=49
